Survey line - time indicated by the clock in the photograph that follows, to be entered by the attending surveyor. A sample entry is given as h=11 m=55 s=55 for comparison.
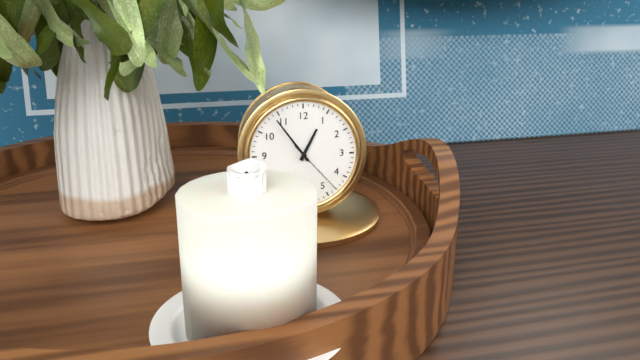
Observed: h=12 m=54 s=23
